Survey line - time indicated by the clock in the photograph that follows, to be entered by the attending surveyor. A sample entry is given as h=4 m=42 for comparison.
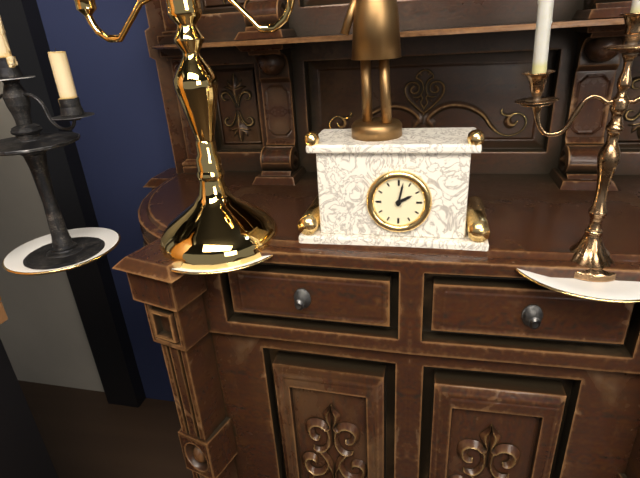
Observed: h=2 m=2
